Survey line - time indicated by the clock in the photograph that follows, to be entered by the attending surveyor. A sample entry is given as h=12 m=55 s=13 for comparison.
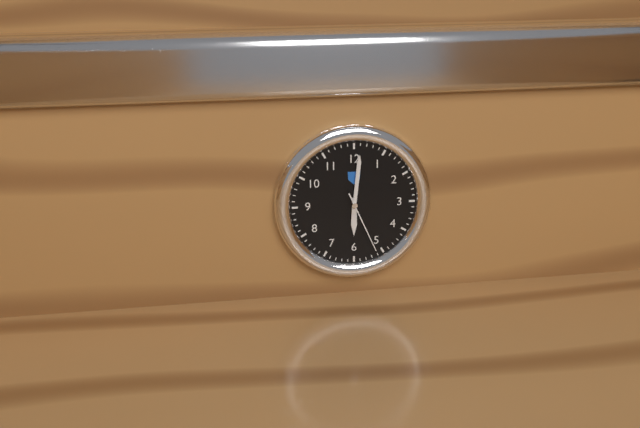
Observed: h=6 m=1 s=26
